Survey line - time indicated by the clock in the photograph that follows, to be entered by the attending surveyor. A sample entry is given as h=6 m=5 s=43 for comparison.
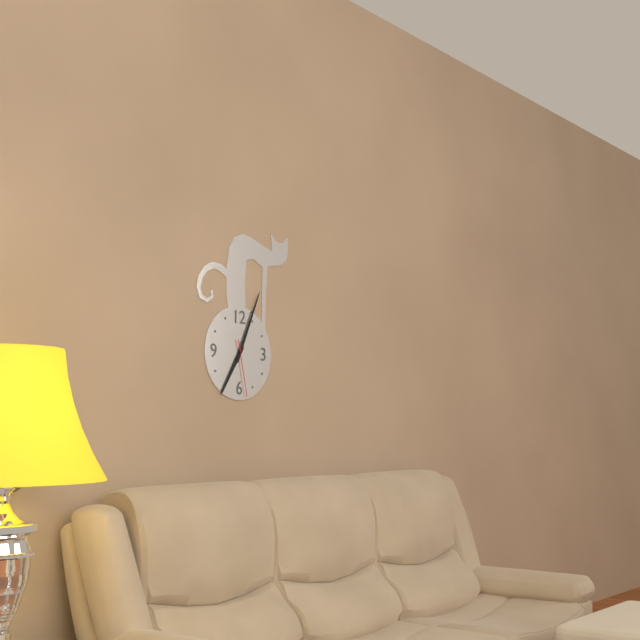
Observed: h=7 m=4 s=28
